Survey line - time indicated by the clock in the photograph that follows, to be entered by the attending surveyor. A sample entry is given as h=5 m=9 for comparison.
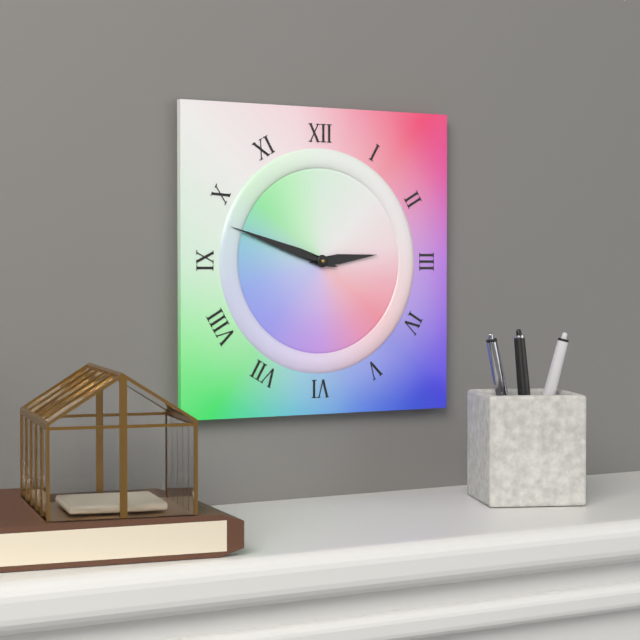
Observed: h=2 m=48
